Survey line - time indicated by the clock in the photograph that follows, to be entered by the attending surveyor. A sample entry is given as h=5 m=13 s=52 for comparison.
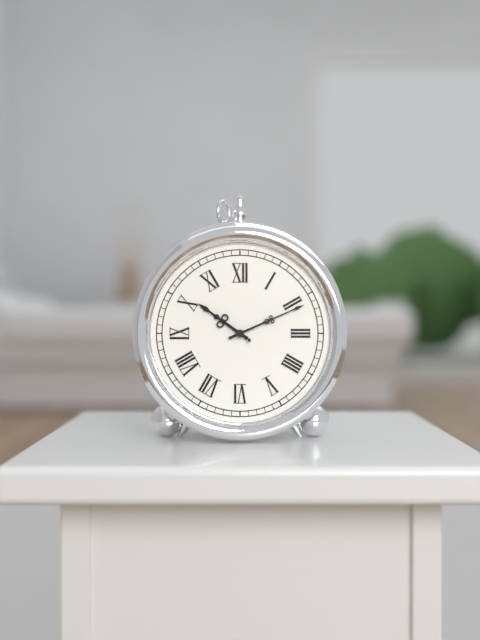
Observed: h=10 m=11 s=51
